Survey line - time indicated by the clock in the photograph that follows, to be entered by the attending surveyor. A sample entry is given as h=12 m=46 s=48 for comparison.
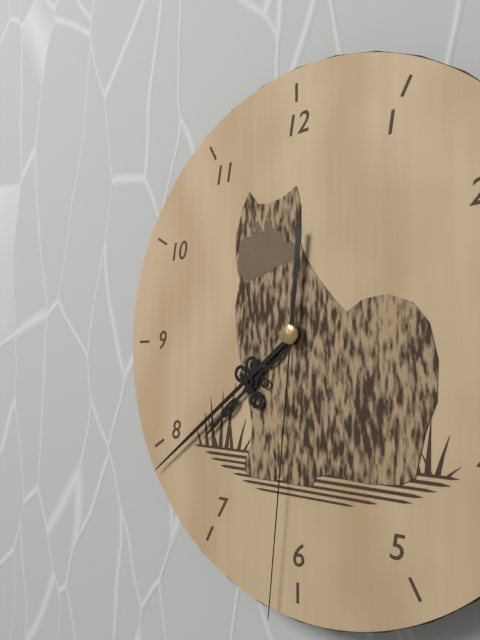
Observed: h=7 m=39 s=31
